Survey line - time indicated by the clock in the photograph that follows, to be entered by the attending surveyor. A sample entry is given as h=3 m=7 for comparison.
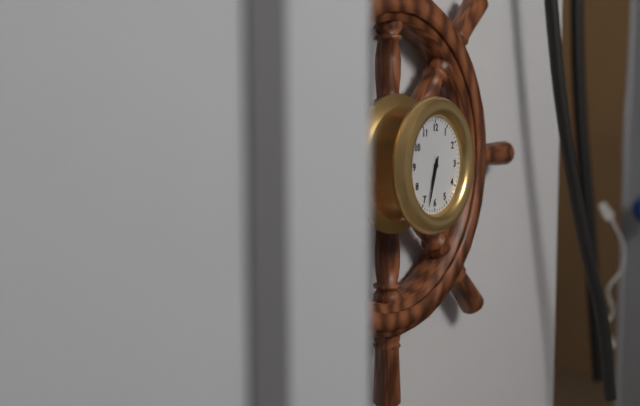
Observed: h=6 m=33
